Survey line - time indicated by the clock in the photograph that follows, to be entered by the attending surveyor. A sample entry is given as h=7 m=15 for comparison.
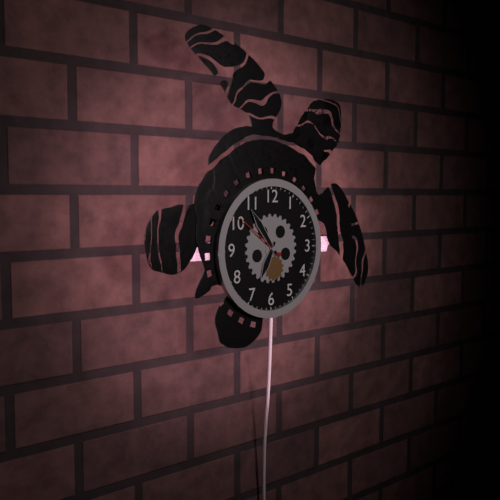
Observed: h=6 m=54
